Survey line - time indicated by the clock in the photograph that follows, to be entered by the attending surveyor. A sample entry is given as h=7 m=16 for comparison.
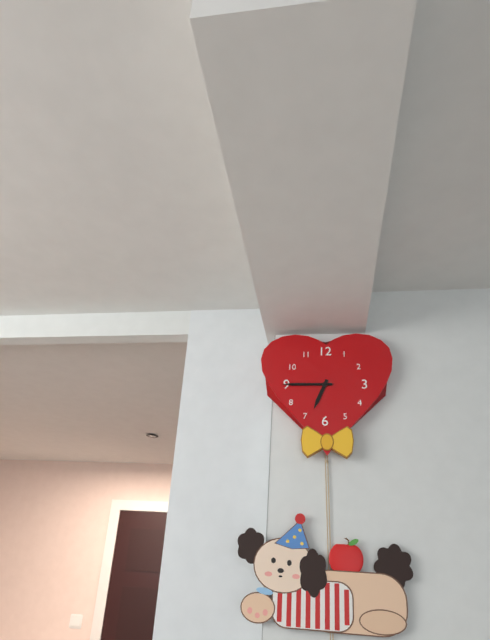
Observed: h=6 m=45
